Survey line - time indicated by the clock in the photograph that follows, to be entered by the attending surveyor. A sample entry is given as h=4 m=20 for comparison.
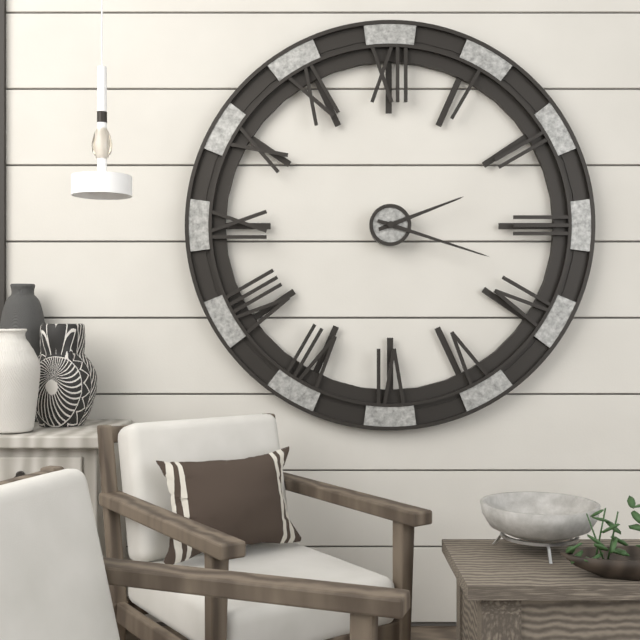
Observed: h=2 m=18
